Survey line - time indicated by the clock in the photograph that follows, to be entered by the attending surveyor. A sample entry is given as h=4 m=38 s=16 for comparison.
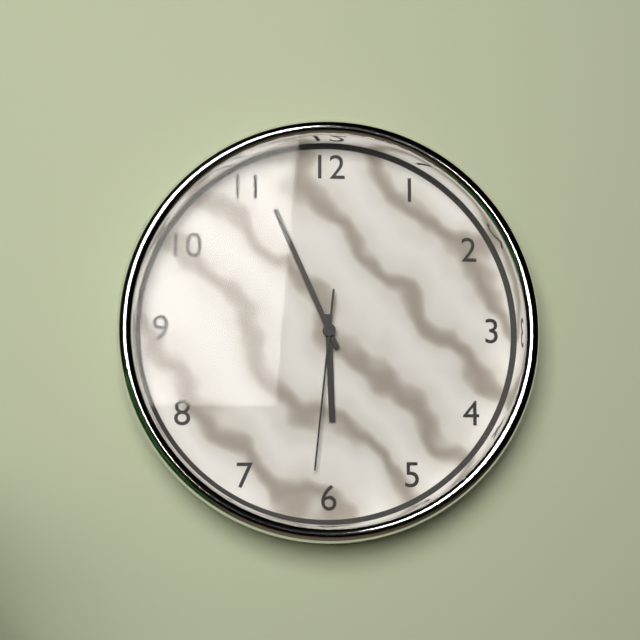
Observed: h=5 m=56 s=31
